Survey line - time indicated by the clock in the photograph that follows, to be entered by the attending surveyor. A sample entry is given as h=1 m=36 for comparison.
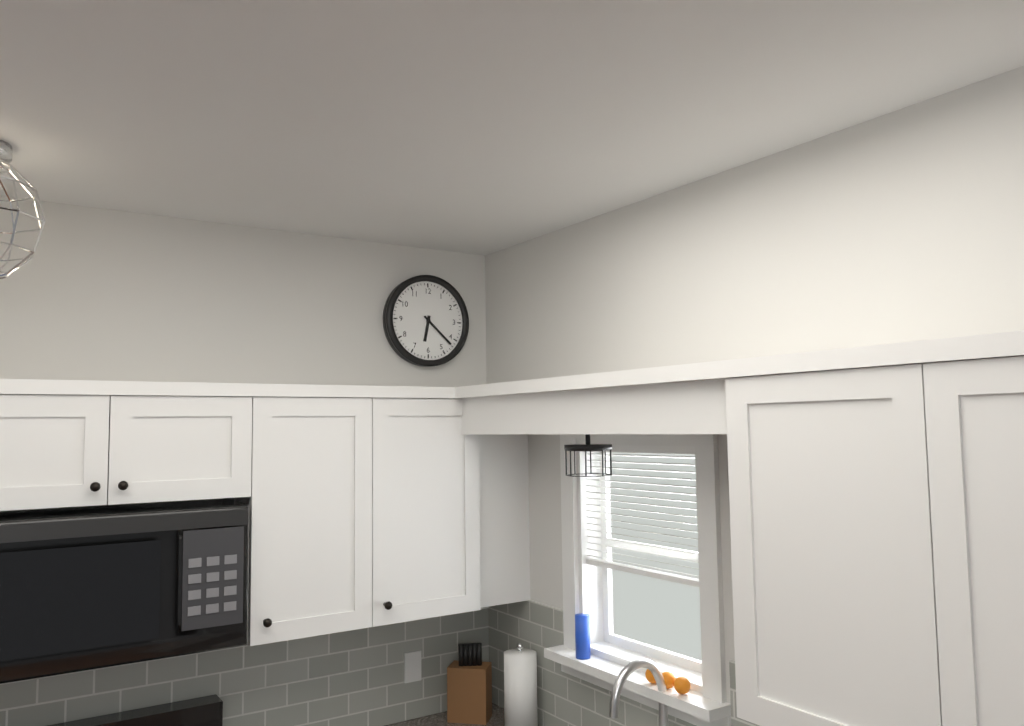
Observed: h=6 m=22
